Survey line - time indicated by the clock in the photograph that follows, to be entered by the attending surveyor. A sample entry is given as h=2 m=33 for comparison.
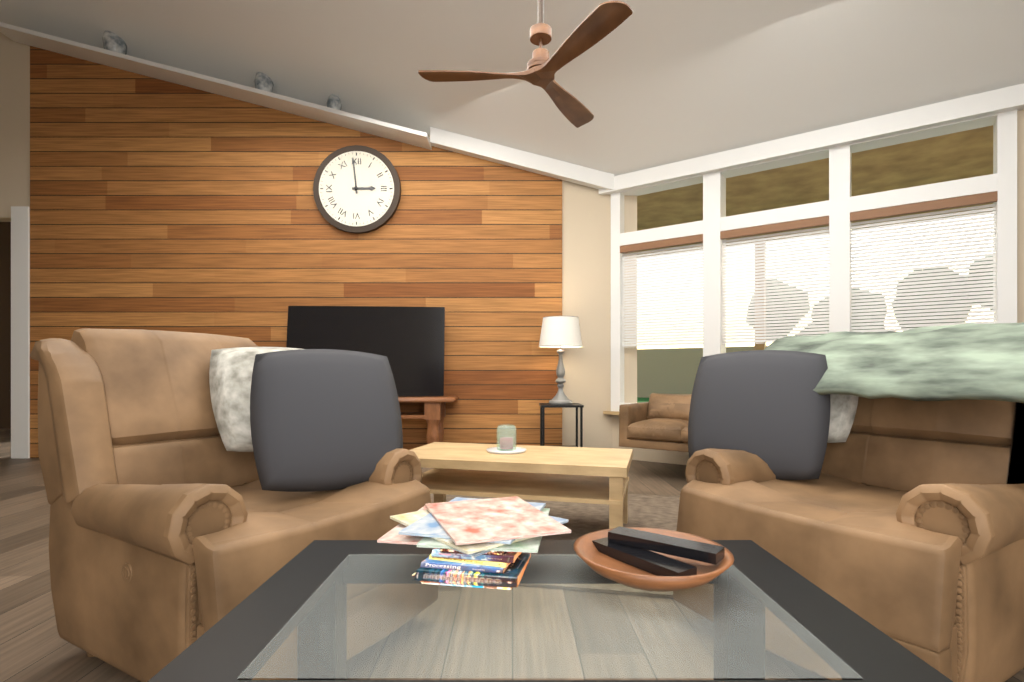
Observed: h=2 m=59
